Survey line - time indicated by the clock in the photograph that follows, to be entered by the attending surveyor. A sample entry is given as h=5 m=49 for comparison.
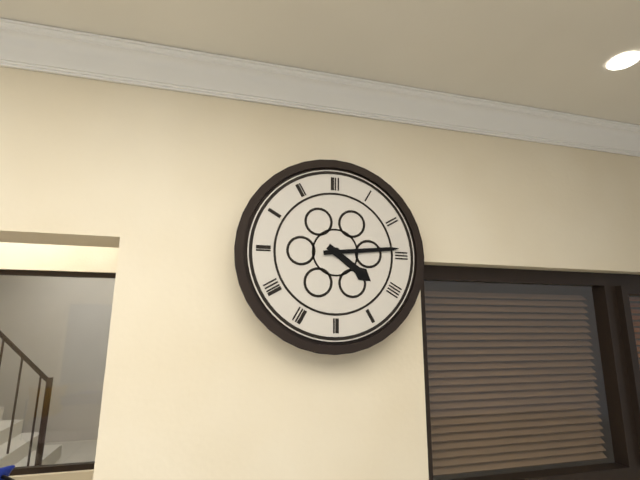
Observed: h=4 m=14
